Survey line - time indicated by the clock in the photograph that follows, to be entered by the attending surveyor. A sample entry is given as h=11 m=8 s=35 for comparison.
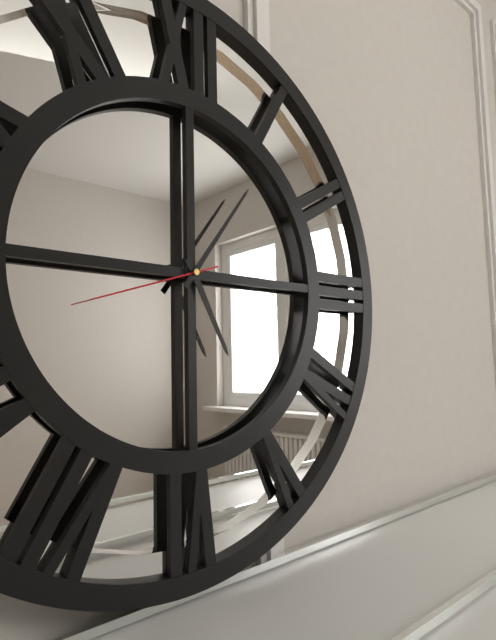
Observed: h=5 m=6 s=42
